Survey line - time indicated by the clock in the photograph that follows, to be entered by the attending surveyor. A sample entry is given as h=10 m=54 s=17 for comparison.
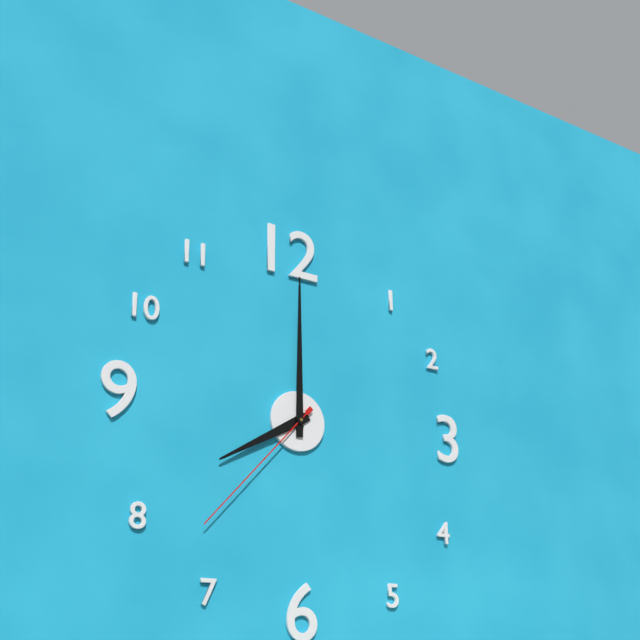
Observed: h=8 m=0 s=37
